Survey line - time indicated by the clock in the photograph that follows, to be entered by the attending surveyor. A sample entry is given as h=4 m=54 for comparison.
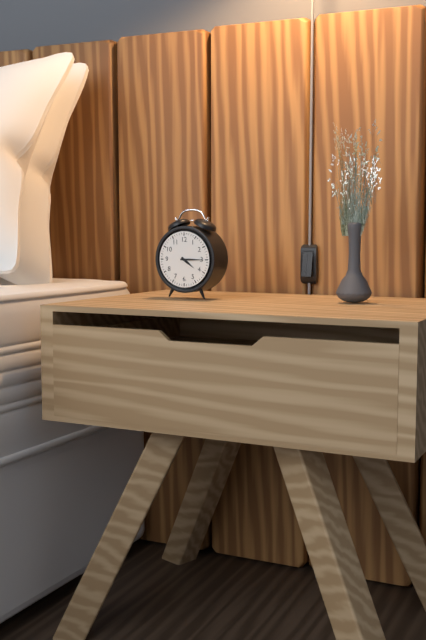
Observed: h=4 m=15
